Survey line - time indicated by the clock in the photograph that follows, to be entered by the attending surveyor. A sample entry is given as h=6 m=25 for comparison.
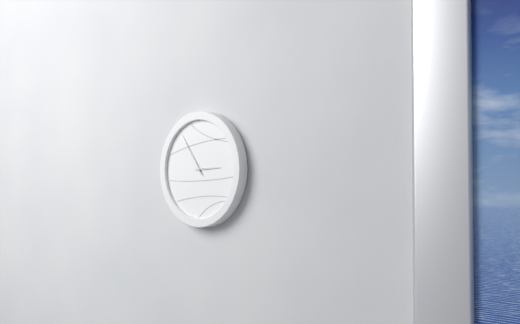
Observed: h=2 m=54
